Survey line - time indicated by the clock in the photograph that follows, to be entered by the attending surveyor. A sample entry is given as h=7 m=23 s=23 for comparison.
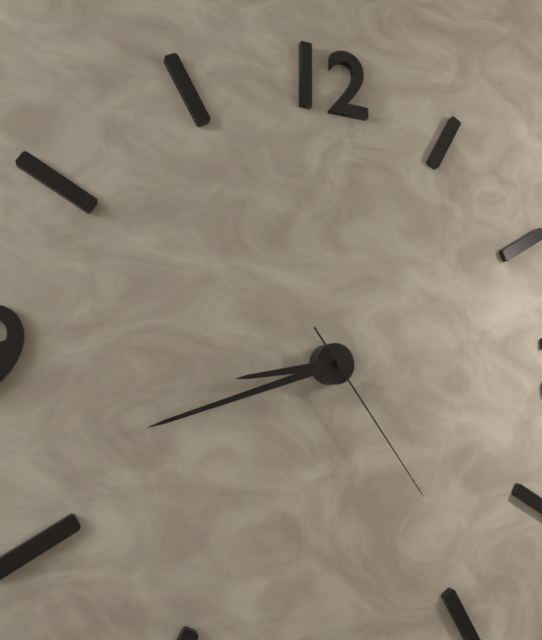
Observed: h=8 m=42 s=24
